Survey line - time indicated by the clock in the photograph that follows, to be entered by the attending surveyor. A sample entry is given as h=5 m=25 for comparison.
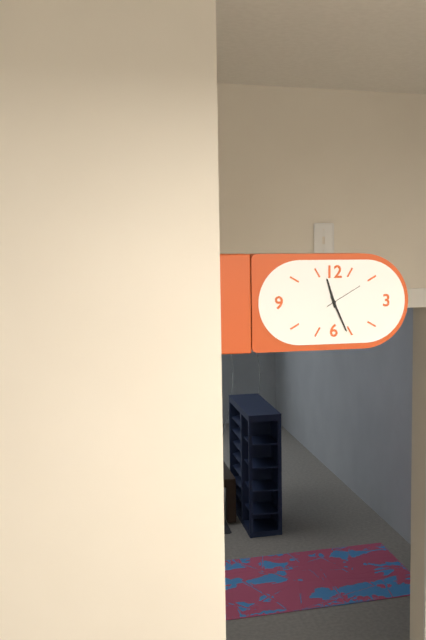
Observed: h=11 m=26
